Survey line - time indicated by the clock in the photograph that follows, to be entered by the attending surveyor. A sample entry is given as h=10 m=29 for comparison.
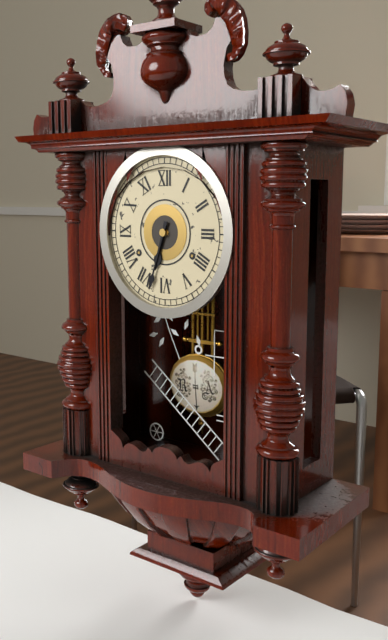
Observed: h=6 m=33
